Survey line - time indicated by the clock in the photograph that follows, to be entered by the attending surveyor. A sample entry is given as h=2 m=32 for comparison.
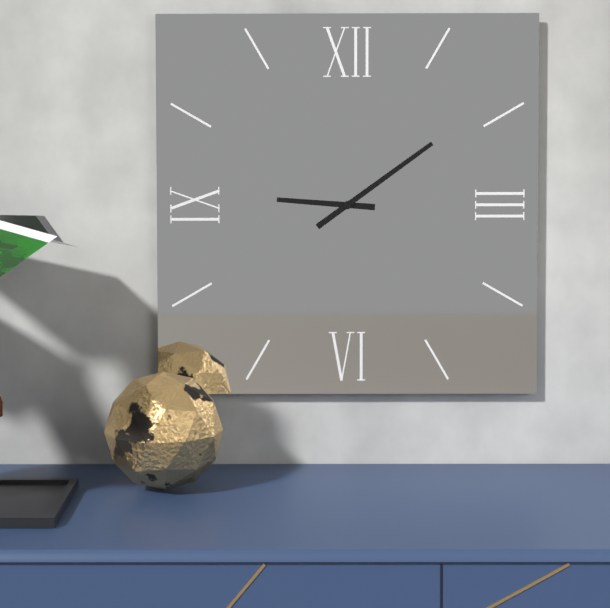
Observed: h=9 m=9
